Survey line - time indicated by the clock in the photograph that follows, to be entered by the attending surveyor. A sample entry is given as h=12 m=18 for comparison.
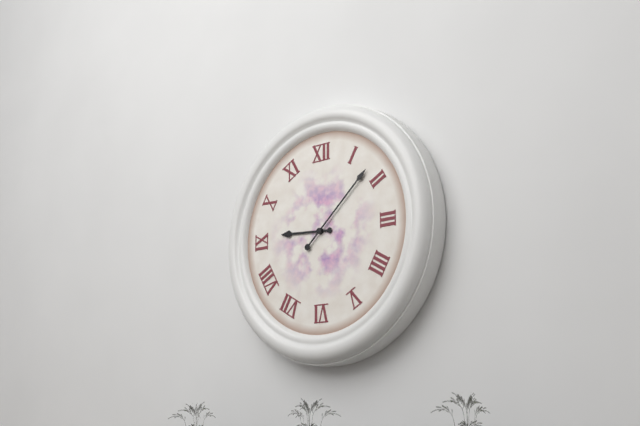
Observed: h=9 m=8
